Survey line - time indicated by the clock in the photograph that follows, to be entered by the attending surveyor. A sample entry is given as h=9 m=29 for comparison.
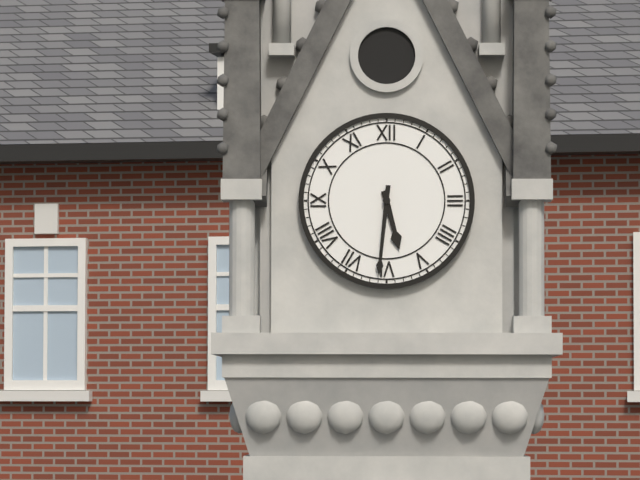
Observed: h=5 m=31
